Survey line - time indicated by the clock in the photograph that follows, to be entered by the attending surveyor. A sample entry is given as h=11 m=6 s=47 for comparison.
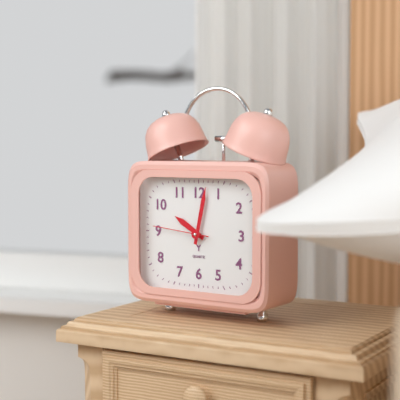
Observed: h=10 m=2 s=46
